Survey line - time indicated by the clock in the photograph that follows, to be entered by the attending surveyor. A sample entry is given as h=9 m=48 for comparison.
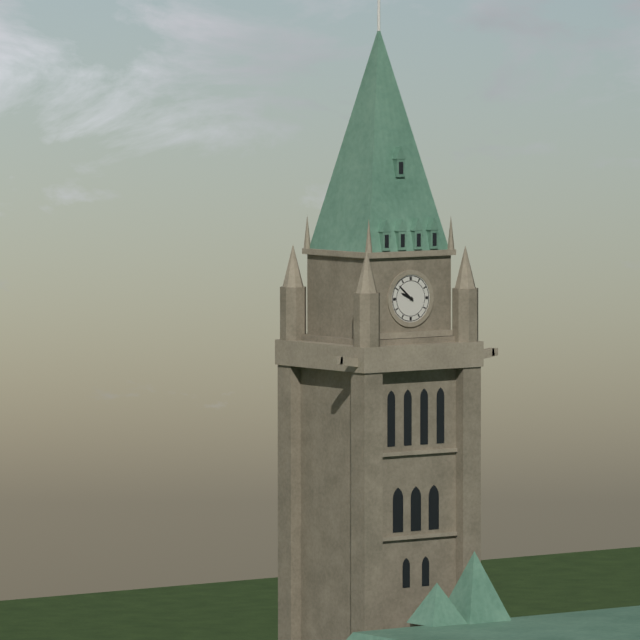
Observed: h=9 m=52
